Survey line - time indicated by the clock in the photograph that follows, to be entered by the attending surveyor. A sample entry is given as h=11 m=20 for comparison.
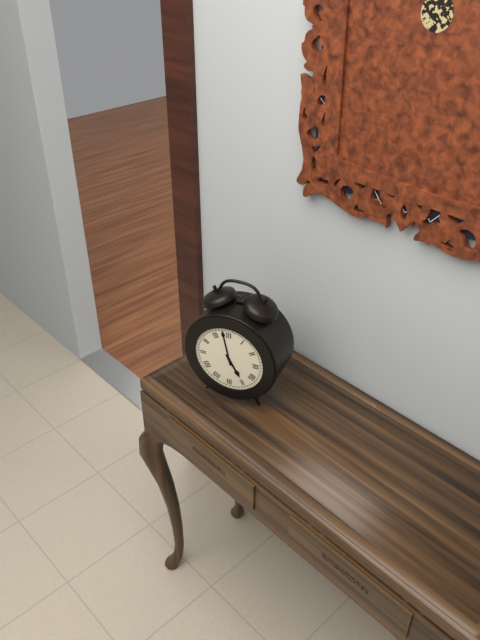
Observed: h=4 m=58
